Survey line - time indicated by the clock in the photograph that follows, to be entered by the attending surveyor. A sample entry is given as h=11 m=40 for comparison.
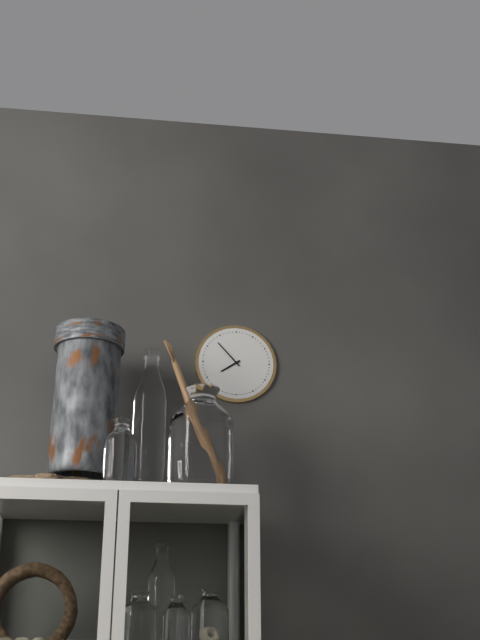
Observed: h=7 m=53
